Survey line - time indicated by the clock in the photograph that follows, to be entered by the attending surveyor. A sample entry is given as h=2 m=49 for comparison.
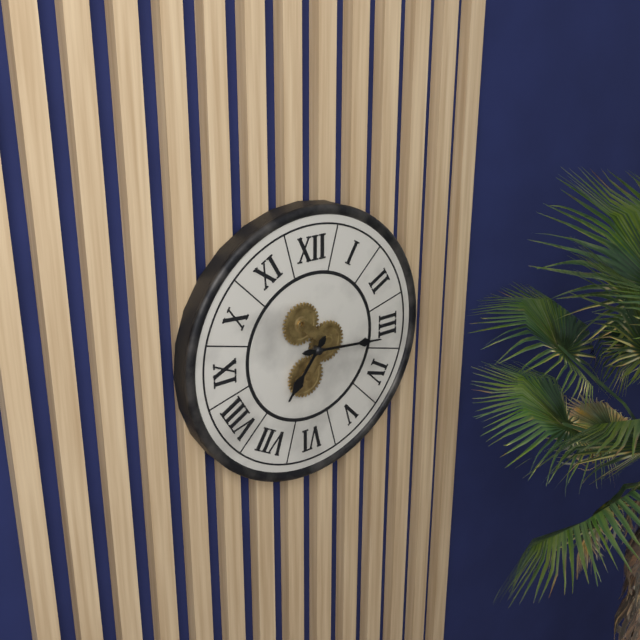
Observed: h=7 m=16
